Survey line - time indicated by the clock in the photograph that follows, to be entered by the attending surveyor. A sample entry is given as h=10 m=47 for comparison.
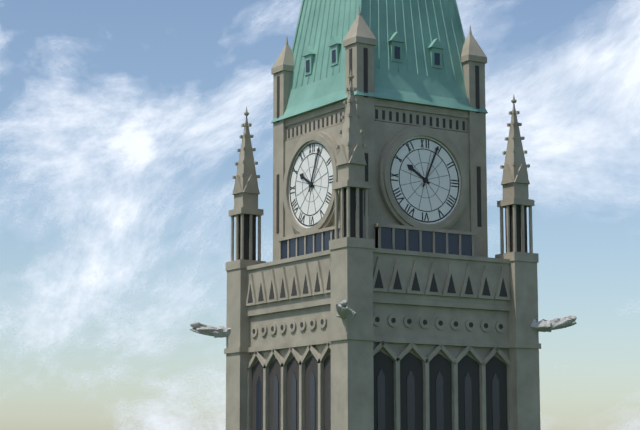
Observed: h=10 m=4
